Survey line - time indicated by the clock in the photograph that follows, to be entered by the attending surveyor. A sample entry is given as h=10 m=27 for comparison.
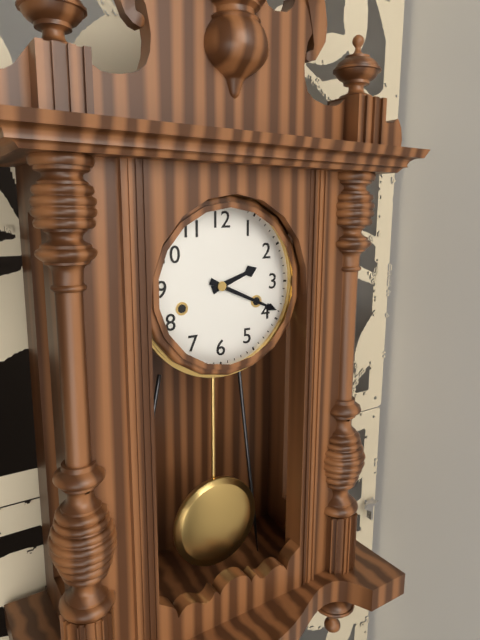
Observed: h=2 m=19
